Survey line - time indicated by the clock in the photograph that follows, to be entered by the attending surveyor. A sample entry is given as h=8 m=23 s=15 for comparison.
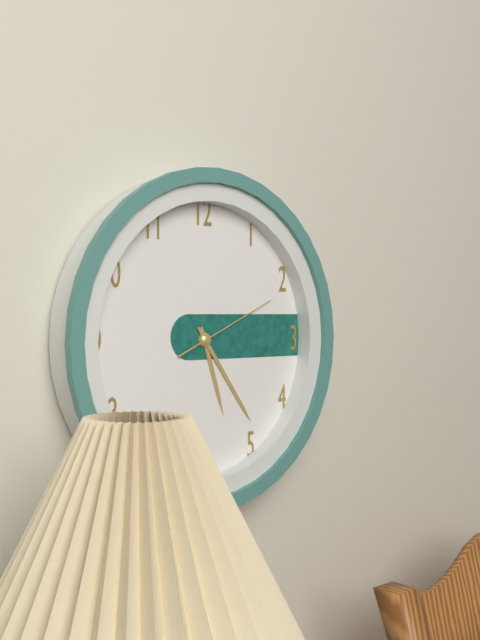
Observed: h=5 m=24 s=11
